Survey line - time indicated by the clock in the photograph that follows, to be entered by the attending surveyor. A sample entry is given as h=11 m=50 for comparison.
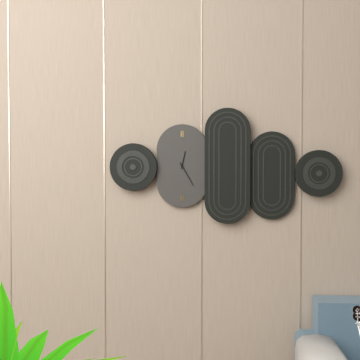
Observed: h=12 m=25
